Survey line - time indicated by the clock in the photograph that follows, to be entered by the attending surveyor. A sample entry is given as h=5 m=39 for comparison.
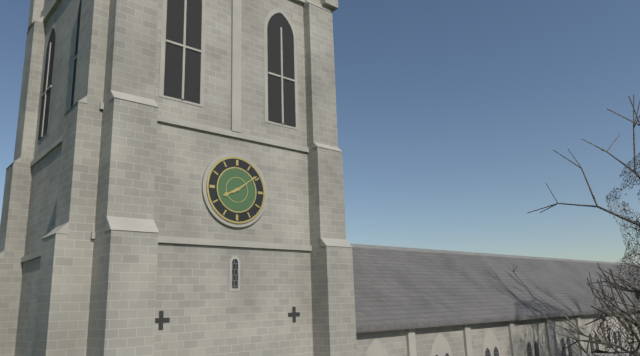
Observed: h=8 m=9
